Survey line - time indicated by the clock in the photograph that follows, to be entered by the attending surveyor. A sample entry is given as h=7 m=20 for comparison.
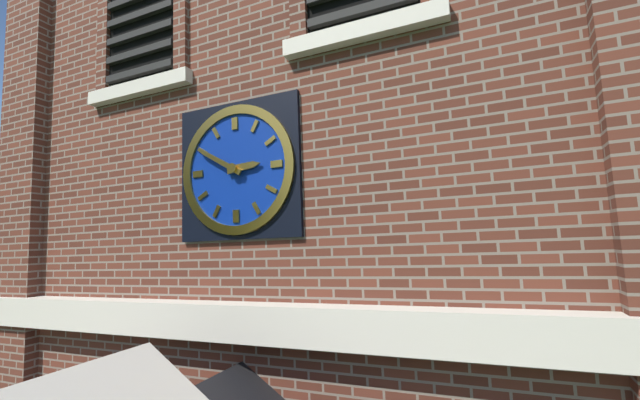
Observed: h=2 m=50
